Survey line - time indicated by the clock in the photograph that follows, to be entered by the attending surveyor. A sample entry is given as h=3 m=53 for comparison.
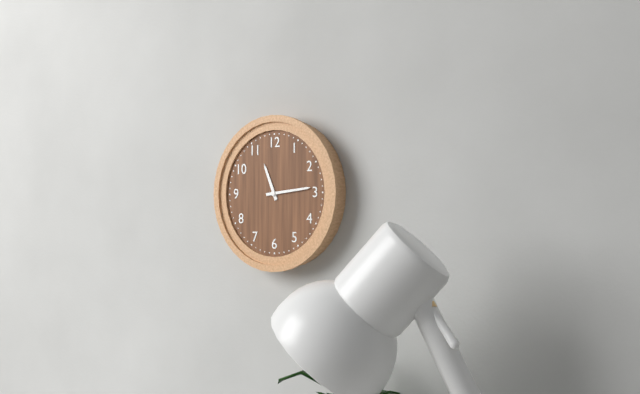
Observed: h=11 m=14
